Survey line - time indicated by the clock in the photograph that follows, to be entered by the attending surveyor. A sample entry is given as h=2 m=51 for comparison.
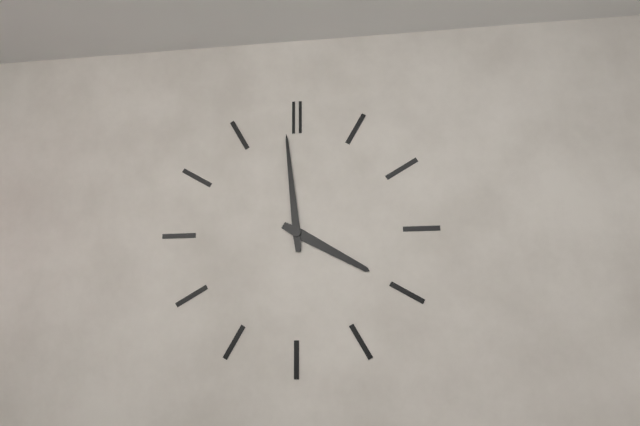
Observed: h=3 m=59
